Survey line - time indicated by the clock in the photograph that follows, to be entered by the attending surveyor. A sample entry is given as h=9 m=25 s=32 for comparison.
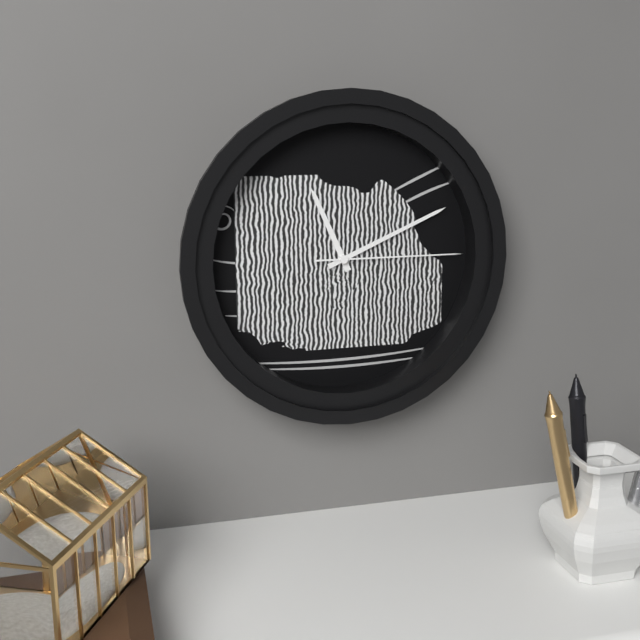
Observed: h=11 m=11 s=15
